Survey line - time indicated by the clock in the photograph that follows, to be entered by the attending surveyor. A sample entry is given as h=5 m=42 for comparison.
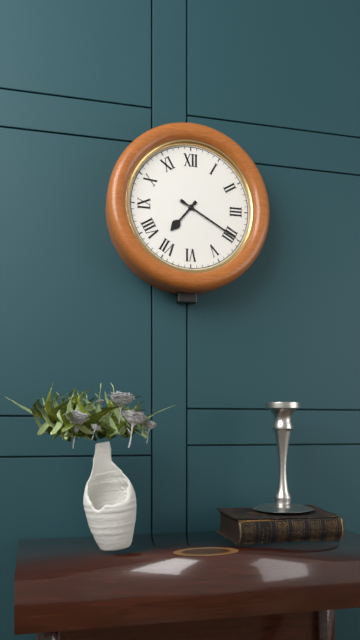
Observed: h=7 m=20
